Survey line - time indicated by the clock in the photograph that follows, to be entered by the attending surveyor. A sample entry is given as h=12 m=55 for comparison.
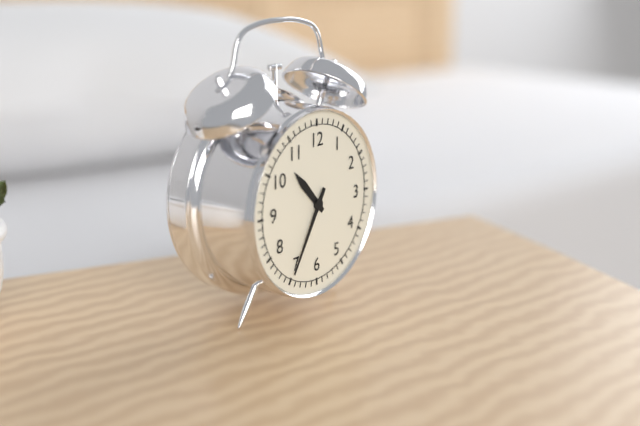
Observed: h=10 m=35
